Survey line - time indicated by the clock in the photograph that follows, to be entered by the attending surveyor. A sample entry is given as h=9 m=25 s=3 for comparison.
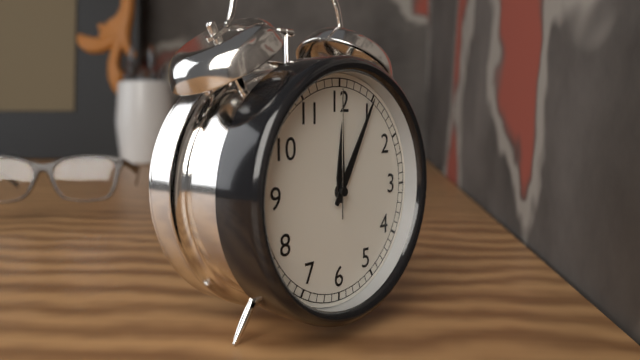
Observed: h=12 m=5 s=0
